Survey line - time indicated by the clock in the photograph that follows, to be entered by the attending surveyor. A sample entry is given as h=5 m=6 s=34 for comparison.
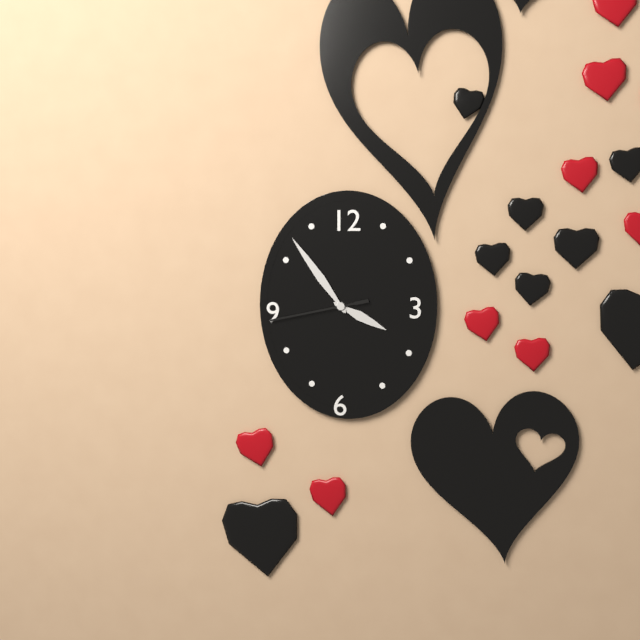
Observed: h=3 m=54 s=43
